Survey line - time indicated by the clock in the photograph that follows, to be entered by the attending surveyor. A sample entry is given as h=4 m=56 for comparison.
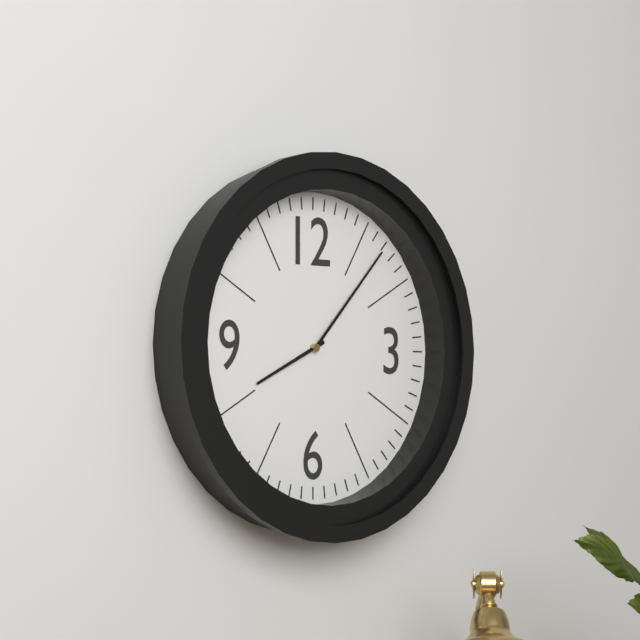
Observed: h=8 m=7
